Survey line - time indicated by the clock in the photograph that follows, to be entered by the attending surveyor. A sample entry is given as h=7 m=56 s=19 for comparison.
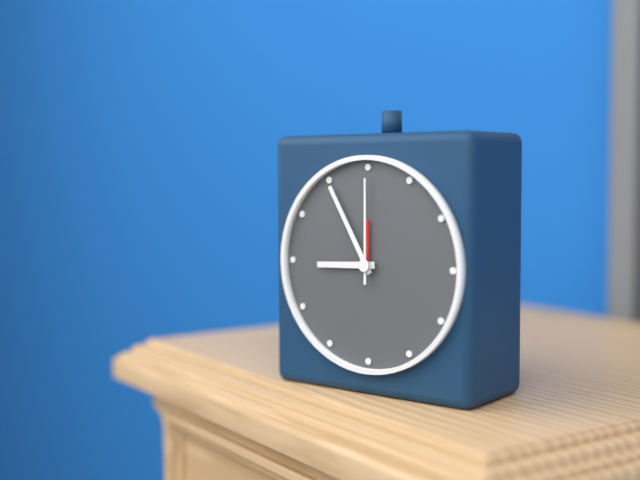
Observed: h=8 m=55 s=0
